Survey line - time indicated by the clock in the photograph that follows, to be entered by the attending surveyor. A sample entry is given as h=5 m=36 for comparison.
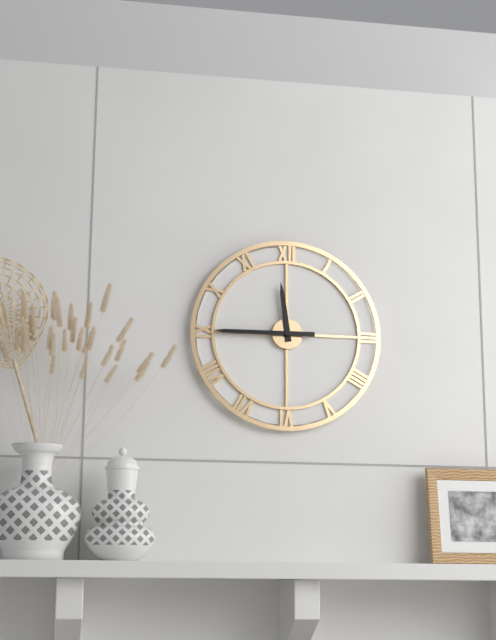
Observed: h=11 m=45
